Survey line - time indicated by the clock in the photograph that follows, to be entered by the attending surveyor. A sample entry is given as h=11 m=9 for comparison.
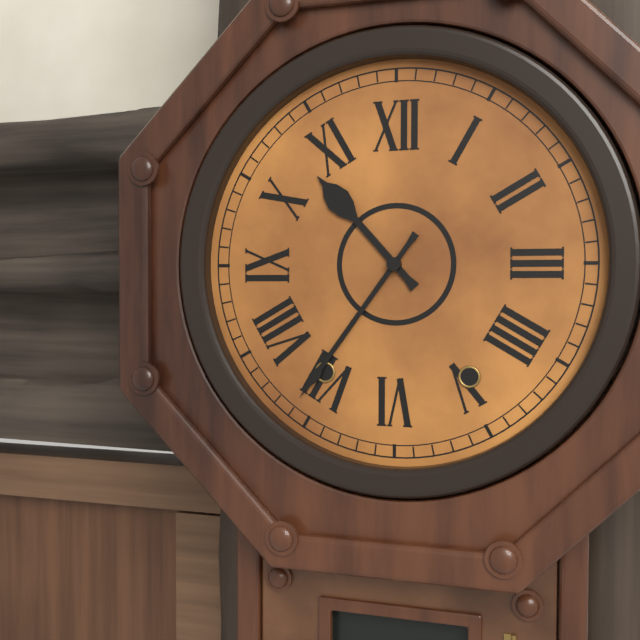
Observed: h=10 m=36
